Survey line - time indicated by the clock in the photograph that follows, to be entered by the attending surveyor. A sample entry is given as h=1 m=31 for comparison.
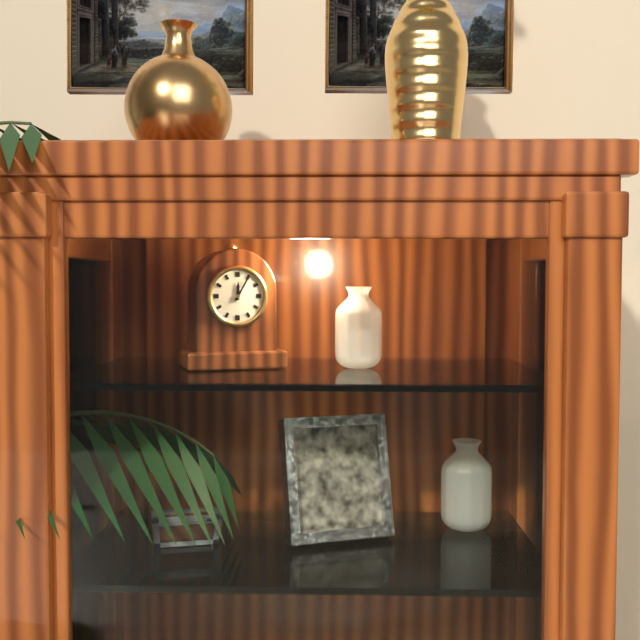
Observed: h=12 m=5
